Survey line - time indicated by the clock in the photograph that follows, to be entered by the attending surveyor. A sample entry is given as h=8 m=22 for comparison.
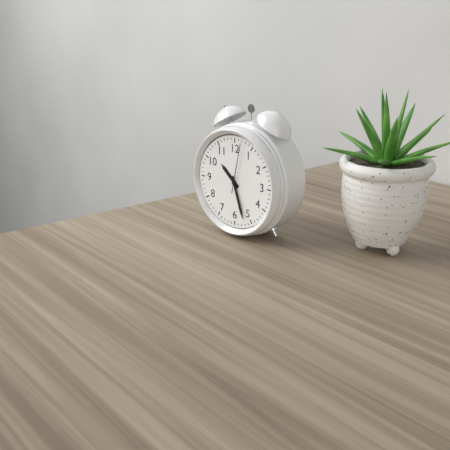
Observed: h=10 m=27
